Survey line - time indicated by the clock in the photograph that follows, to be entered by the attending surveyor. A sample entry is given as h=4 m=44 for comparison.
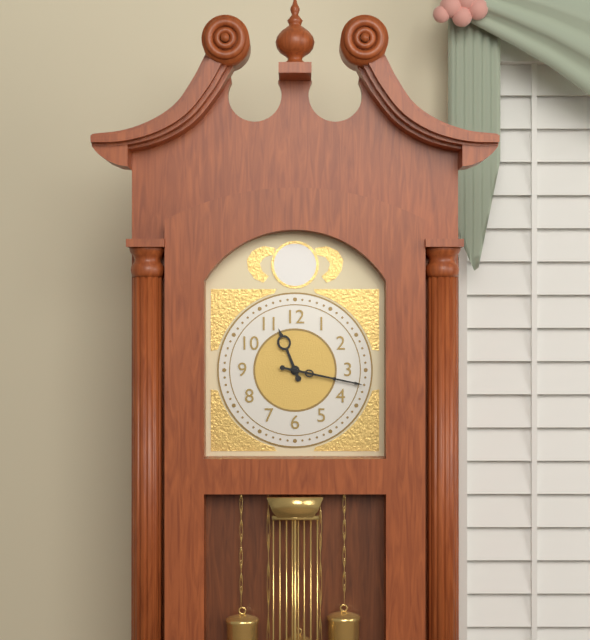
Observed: h=11 m=17
